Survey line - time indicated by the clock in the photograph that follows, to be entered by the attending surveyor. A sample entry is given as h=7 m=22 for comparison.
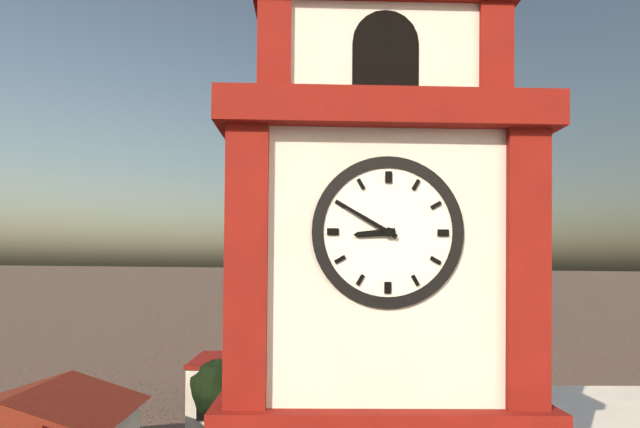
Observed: h=8 m=50
